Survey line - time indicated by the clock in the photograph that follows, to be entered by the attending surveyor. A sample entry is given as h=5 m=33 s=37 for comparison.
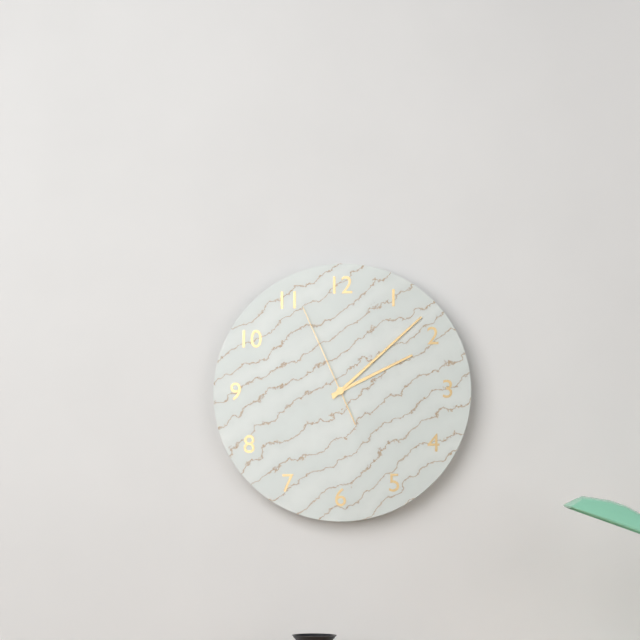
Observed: h=2 m=8 s=56
